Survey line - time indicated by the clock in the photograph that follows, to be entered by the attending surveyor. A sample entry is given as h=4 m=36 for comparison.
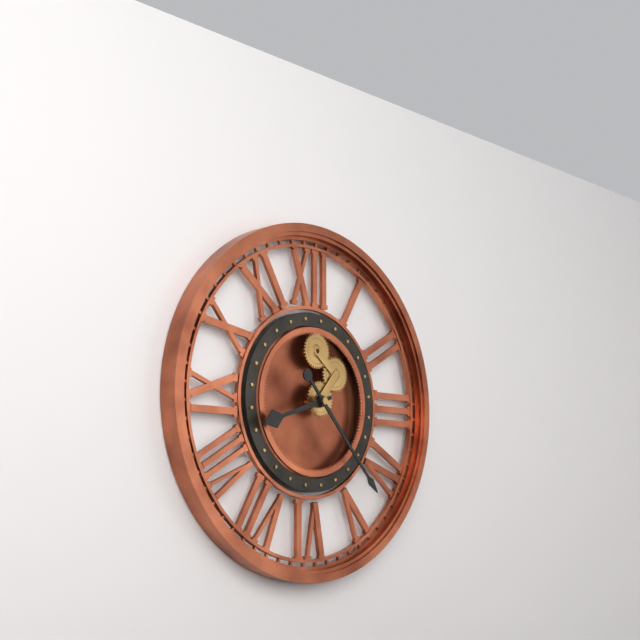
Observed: h=8 m=23
